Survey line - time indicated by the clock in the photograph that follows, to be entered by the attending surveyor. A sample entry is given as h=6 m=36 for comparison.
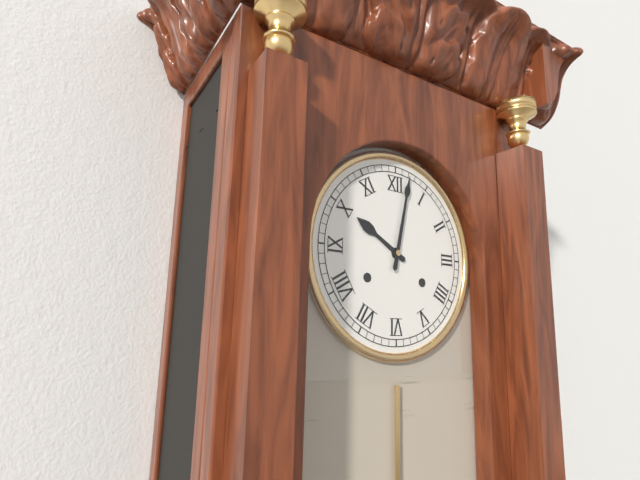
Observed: h=10 m=2
